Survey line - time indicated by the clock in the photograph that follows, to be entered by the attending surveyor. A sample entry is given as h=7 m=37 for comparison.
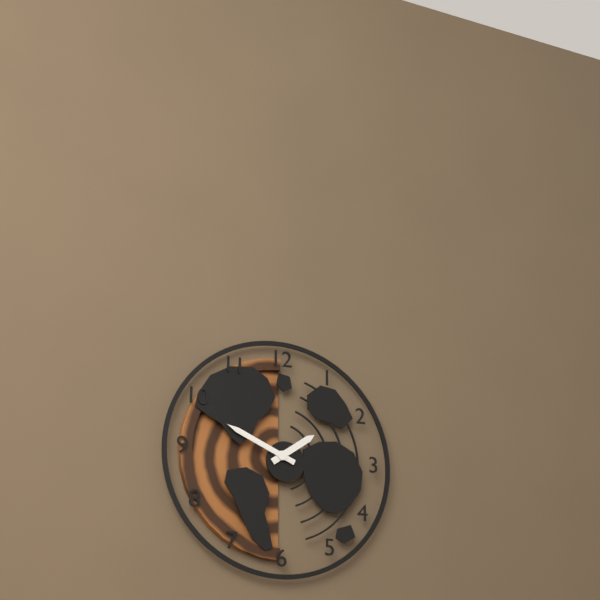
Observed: h=1 m=49
